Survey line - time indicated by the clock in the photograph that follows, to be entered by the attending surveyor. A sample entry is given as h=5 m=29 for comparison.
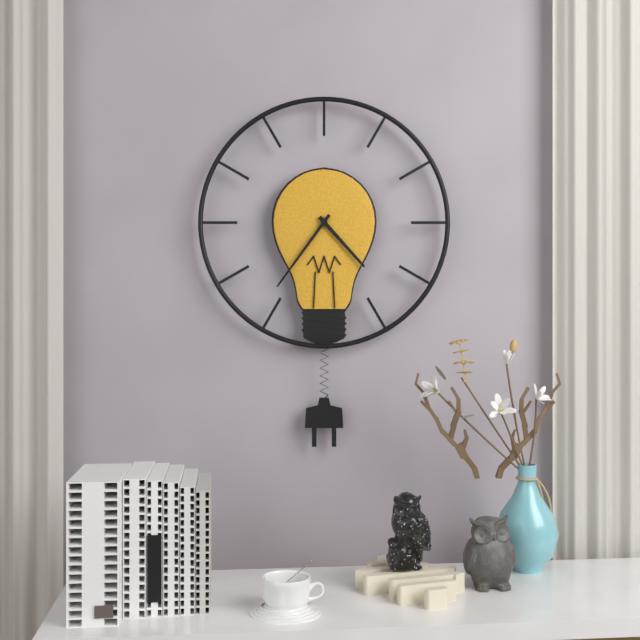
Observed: h=4 m=36
